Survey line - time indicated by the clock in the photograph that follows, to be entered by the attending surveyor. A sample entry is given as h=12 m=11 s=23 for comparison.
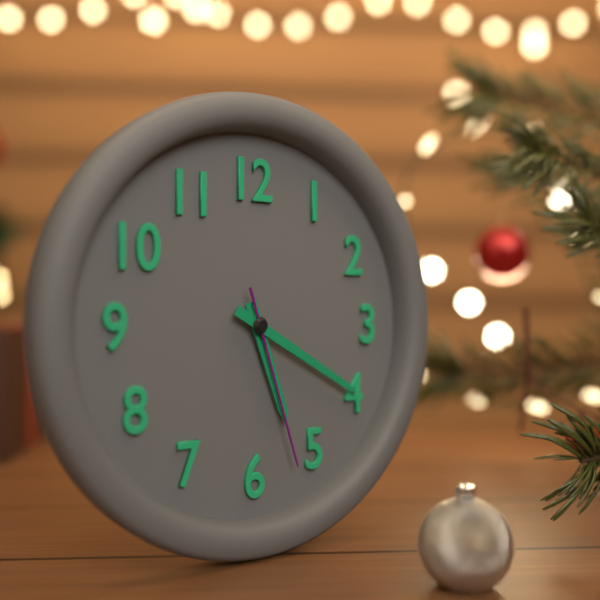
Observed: h=5 m=20 s=27
